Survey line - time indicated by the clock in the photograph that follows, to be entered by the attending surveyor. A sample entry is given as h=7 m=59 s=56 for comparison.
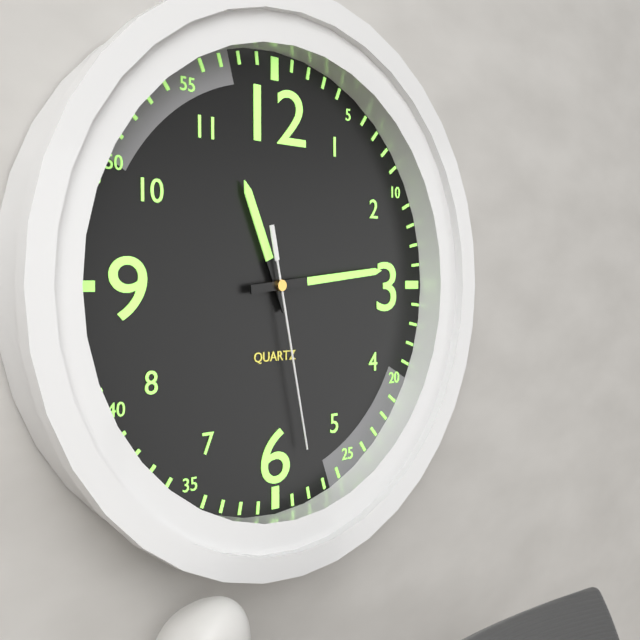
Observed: h=11 m=14 s=28
